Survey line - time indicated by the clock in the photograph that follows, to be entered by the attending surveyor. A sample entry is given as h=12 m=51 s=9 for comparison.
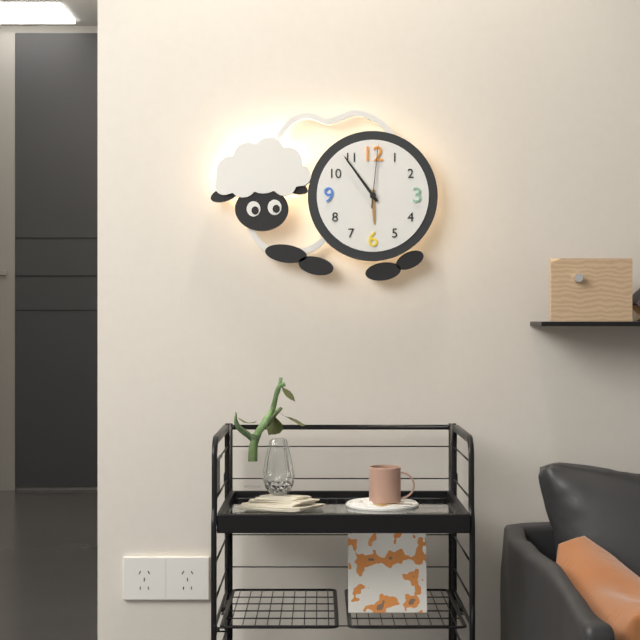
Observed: h=5 m=54 s=1
